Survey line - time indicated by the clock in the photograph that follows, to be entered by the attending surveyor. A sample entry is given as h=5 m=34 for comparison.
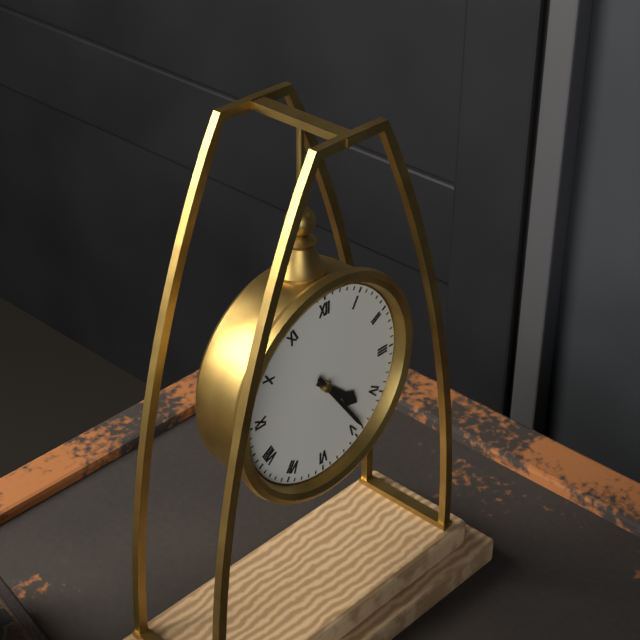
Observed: h=4 m=24
